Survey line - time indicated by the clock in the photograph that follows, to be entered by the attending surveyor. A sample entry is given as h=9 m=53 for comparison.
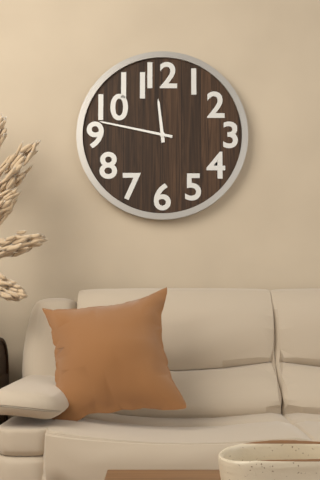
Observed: h=11 m=47
